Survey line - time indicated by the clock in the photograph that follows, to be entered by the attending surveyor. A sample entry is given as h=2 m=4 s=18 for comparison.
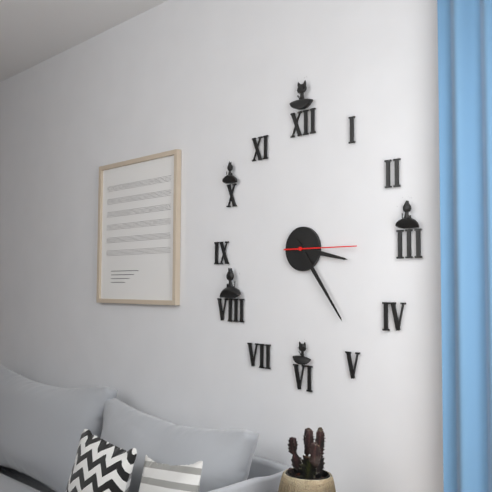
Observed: h=3 m=24 s=15
